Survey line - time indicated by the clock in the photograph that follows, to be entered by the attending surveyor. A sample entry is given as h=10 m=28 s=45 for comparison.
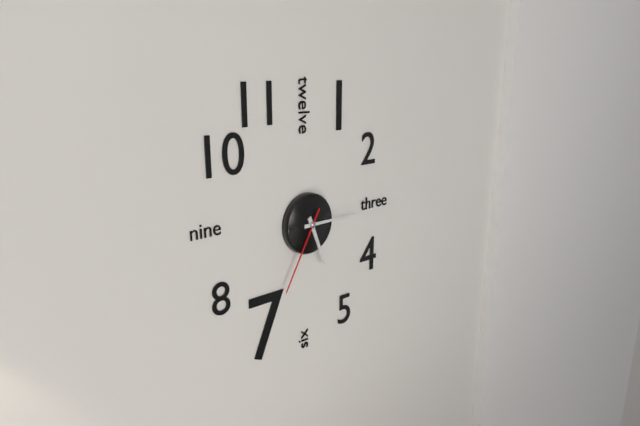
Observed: h=5 m=15 s=35
